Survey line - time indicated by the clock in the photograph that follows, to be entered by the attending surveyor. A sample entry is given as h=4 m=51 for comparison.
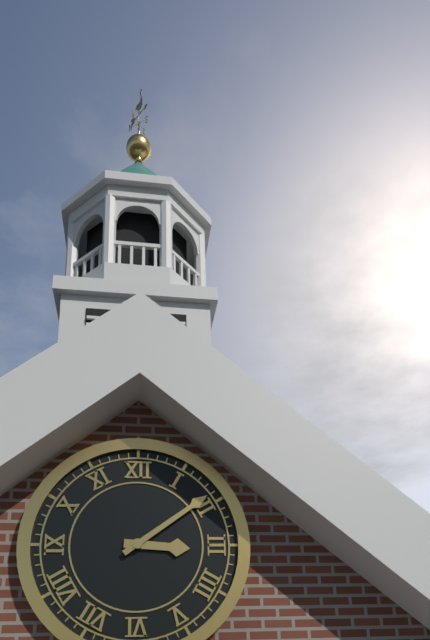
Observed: h=3 m=9
